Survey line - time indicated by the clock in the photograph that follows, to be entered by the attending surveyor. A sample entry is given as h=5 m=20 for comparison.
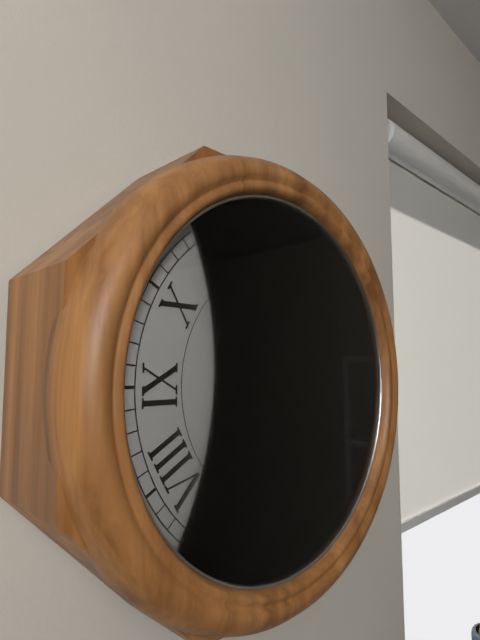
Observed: h=7 m=36
